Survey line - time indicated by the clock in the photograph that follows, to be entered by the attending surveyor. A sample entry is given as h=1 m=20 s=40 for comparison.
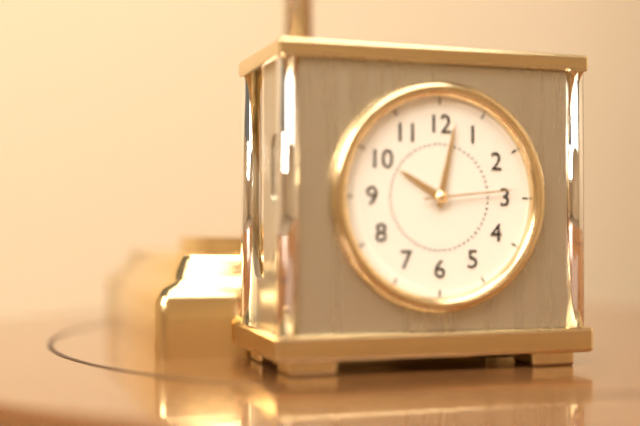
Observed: h=10 m=2 s=14
